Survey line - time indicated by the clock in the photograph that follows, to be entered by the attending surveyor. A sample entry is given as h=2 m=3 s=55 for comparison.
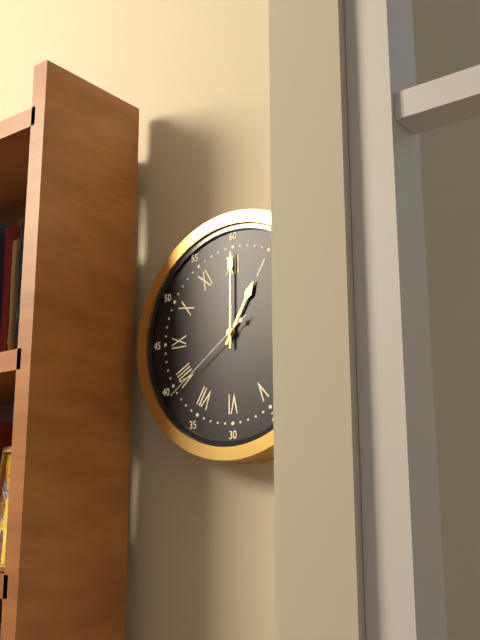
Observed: h=1 m=0 s=39
